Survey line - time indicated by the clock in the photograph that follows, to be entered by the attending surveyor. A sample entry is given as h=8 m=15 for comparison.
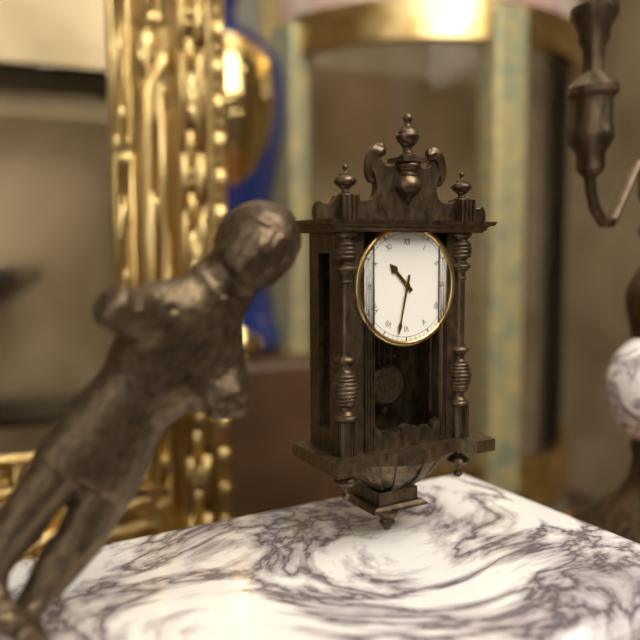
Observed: h=10 m=32
